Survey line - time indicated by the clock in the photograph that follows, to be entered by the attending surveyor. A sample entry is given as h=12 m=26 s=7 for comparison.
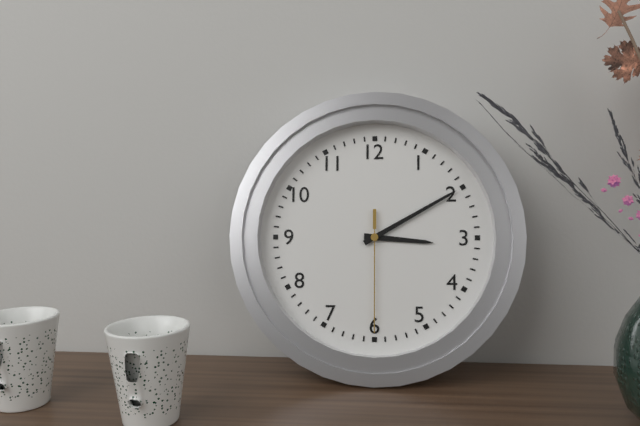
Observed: h=3 m=10 s=30
